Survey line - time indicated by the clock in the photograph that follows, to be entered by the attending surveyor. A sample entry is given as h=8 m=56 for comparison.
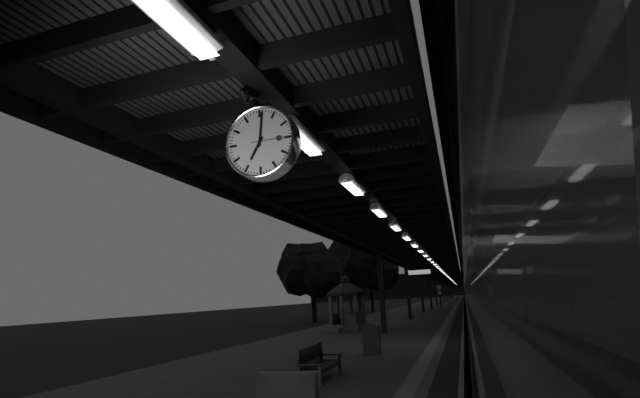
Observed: h=7 m=1
